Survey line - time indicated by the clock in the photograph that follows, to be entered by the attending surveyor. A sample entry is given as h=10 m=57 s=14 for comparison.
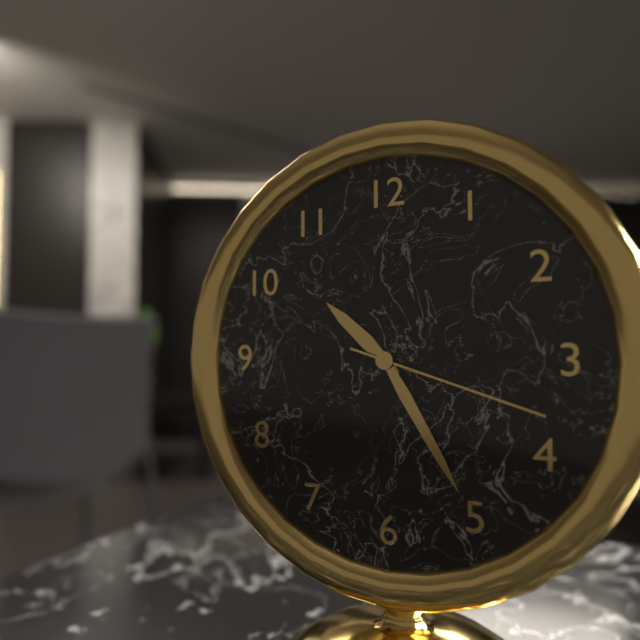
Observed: h=10 m=25 s=18
